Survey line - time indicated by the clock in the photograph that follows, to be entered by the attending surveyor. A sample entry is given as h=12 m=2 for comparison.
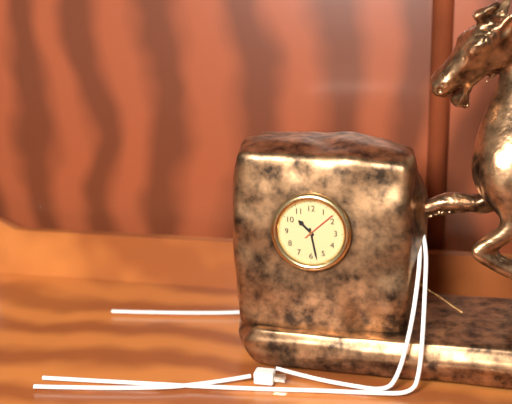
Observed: h=10 m=28
